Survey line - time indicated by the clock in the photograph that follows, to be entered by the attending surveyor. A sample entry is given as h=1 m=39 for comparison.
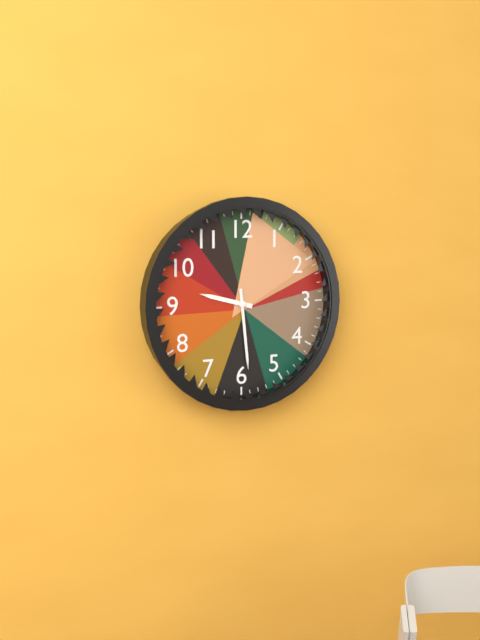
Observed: h=9 m=29
